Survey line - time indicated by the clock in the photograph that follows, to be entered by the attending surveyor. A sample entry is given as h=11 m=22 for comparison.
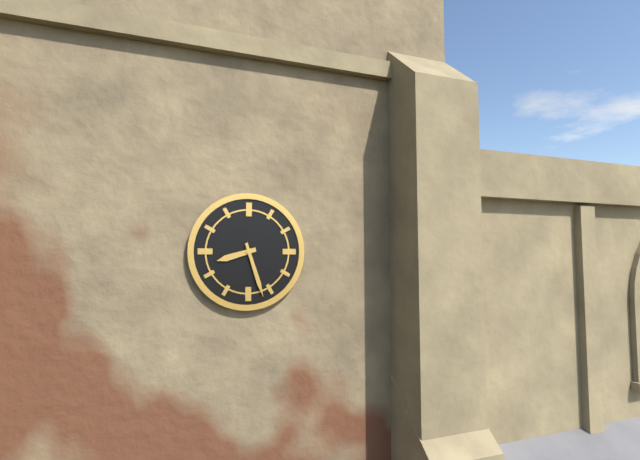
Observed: h=8 m=27
